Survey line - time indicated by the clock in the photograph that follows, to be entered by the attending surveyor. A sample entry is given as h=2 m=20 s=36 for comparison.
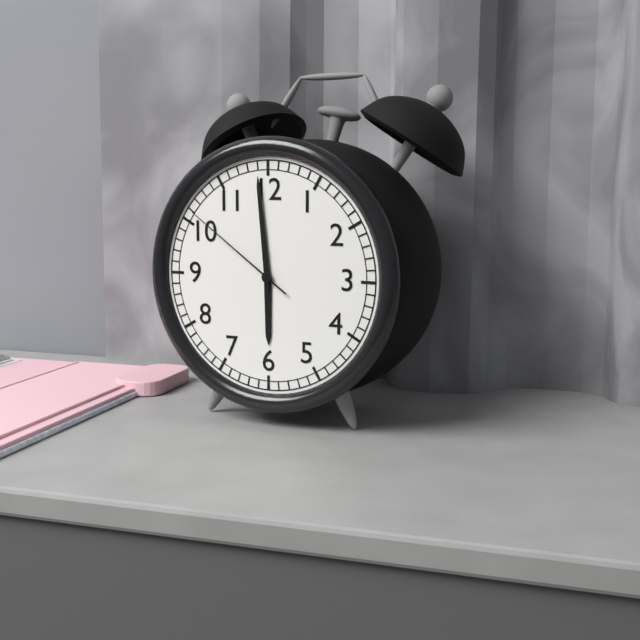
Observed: h=5 m=59 s=51
